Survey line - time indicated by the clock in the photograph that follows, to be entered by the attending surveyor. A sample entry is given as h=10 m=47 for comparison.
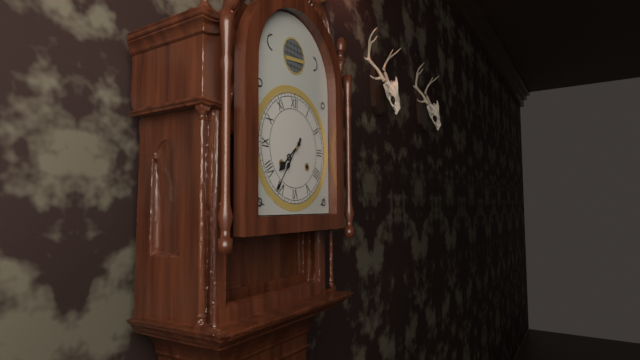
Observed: h=7 m=36
